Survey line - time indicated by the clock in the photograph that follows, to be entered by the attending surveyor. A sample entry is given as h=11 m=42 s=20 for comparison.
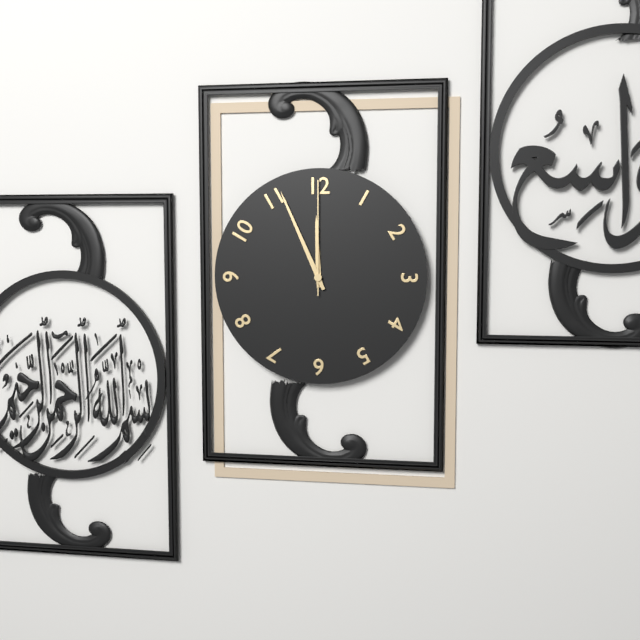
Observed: h=11 m=56 s=0
